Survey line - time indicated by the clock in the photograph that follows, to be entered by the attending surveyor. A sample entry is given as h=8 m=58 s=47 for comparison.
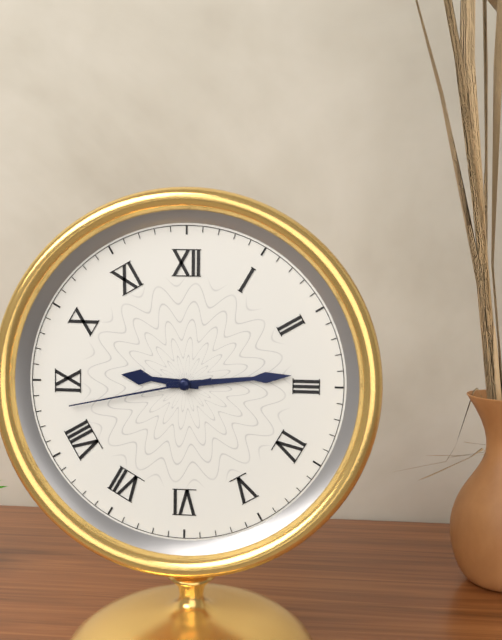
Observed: h=9 m=14 s=43
